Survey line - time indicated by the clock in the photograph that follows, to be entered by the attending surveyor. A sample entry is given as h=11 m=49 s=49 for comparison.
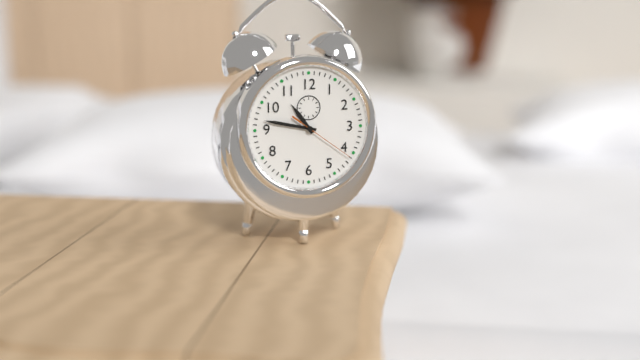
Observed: h=10 m=47 s=21
